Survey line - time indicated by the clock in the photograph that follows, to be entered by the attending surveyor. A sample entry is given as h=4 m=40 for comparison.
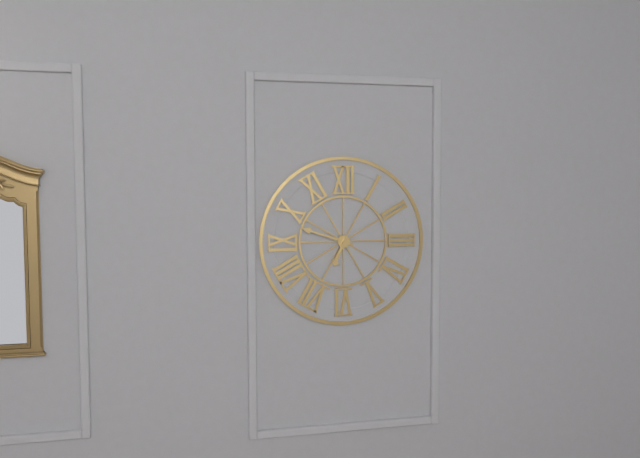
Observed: h=6 m=48
